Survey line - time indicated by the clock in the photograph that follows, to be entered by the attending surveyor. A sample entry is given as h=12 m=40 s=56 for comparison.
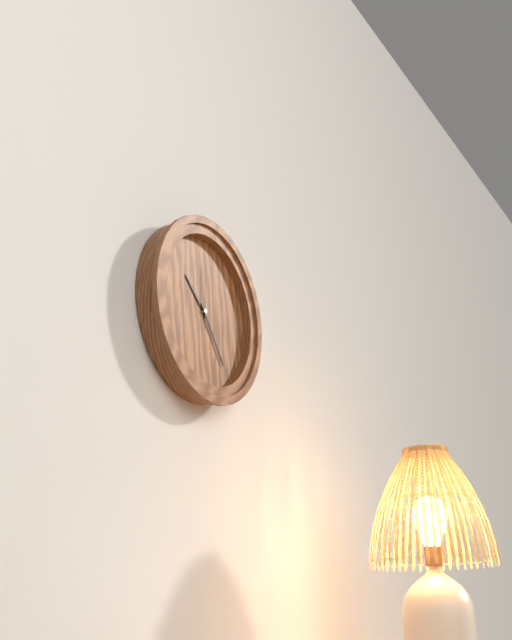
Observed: h=10 m=24 s=0
